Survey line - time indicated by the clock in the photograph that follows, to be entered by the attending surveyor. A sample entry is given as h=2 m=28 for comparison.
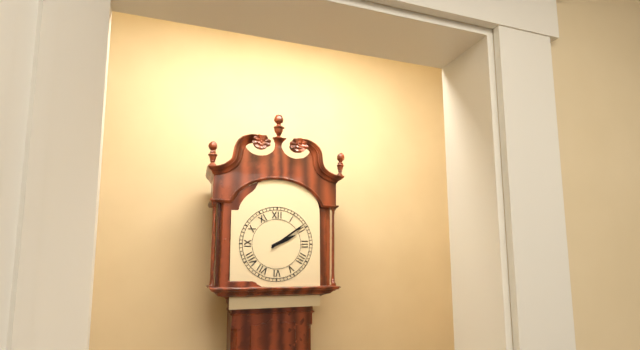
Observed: h=2 m=9
